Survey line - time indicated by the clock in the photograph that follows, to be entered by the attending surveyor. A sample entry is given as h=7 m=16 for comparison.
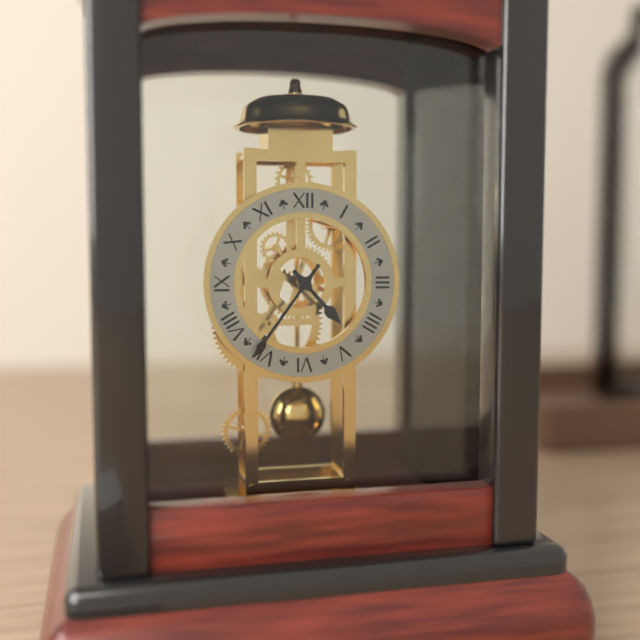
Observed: h=4 m=36
